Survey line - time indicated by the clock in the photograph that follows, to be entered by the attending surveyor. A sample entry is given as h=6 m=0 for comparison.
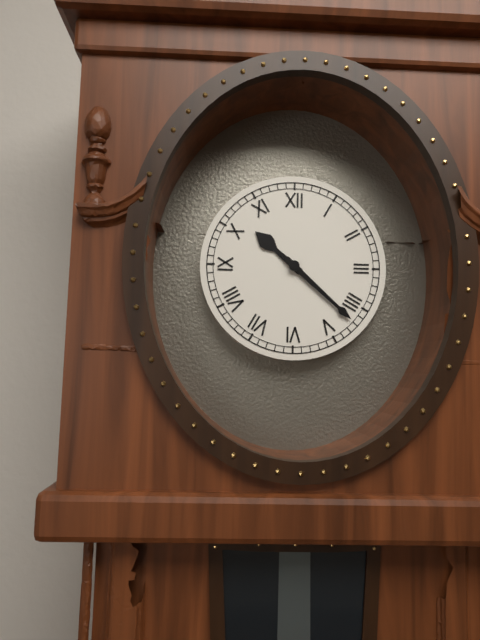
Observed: h=10 m=22
